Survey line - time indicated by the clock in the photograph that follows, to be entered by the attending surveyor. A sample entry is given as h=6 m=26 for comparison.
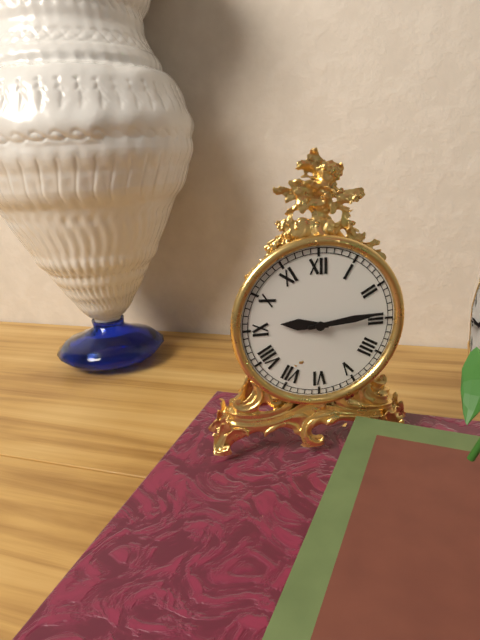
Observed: h=9 m=14
